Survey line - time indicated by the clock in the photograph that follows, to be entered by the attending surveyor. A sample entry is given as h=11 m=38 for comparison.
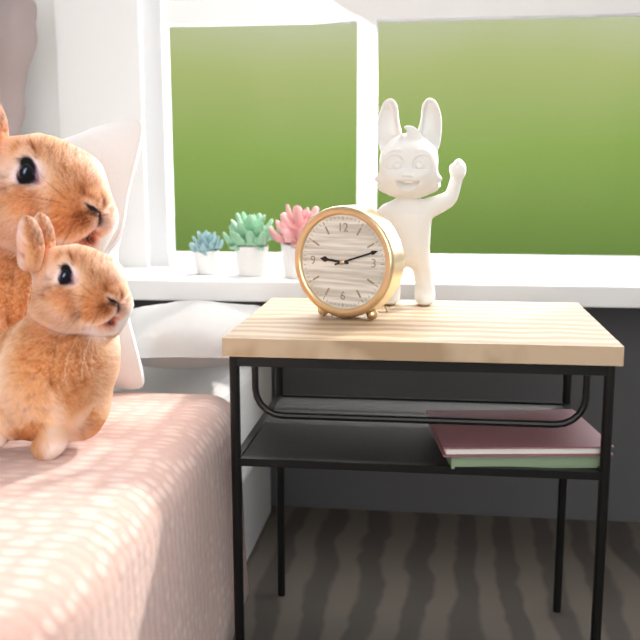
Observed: h=9 m=12
